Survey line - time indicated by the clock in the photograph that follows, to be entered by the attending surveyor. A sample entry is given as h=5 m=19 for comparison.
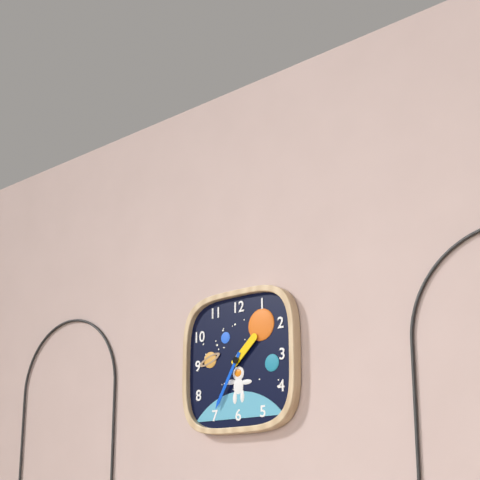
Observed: h=1 m=35
